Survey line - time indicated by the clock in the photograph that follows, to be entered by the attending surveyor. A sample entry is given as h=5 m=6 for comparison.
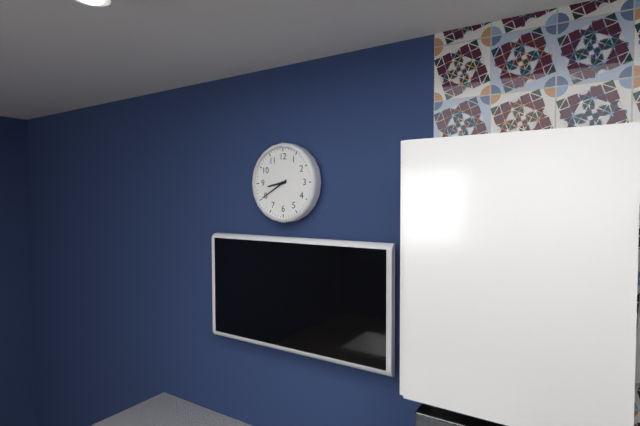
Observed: h=8 m=40
